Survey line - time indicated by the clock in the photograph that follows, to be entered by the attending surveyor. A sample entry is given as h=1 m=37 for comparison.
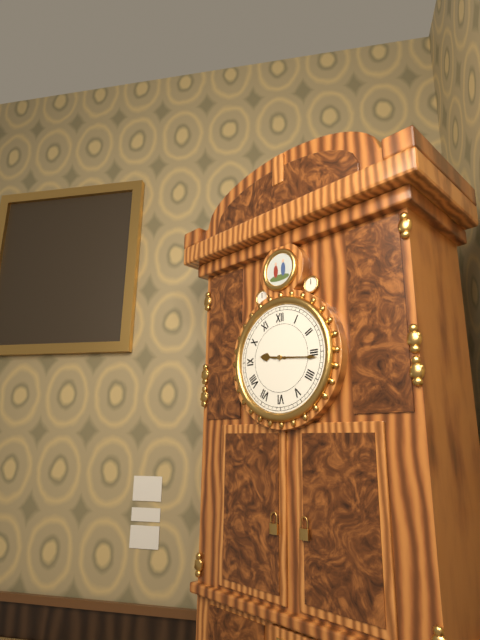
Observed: h=9 m=16
